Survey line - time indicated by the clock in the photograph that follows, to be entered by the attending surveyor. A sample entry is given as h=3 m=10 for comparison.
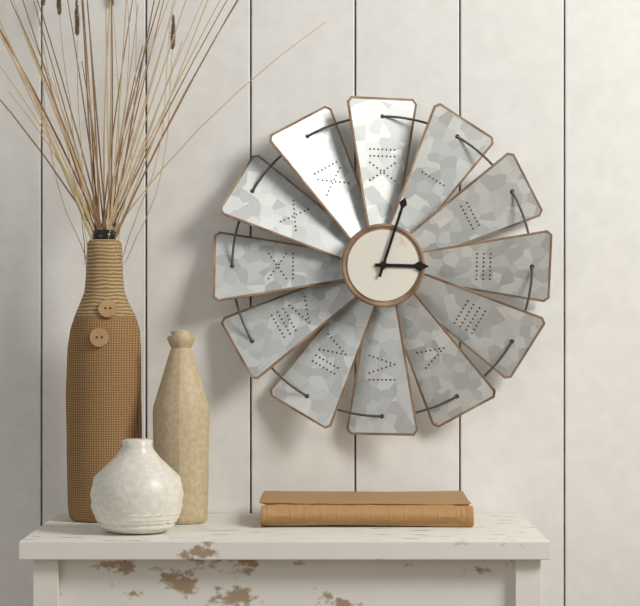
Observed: h=3 m=3
